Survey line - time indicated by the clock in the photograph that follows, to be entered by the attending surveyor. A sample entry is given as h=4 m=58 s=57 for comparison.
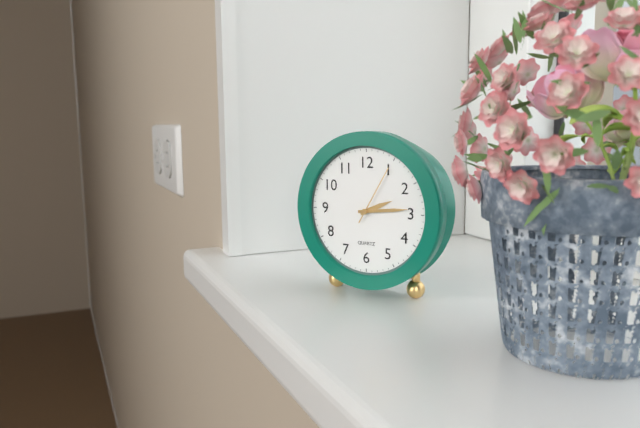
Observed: h=2 m=14 s=5
